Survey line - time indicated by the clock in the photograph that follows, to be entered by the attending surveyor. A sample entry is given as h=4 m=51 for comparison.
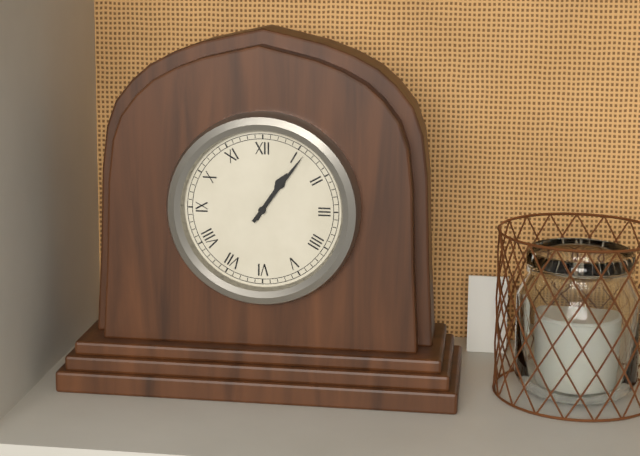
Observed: h=1 m=6
